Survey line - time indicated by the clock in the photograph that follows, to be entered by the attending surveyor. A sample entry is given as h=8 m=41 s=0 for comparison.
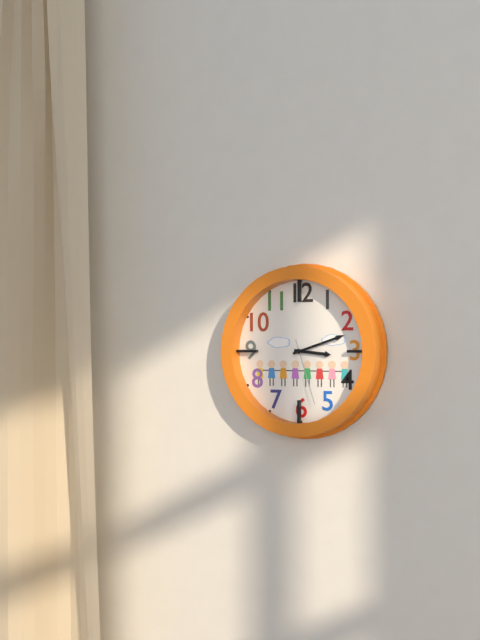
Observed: h=3 m=12 s=27
